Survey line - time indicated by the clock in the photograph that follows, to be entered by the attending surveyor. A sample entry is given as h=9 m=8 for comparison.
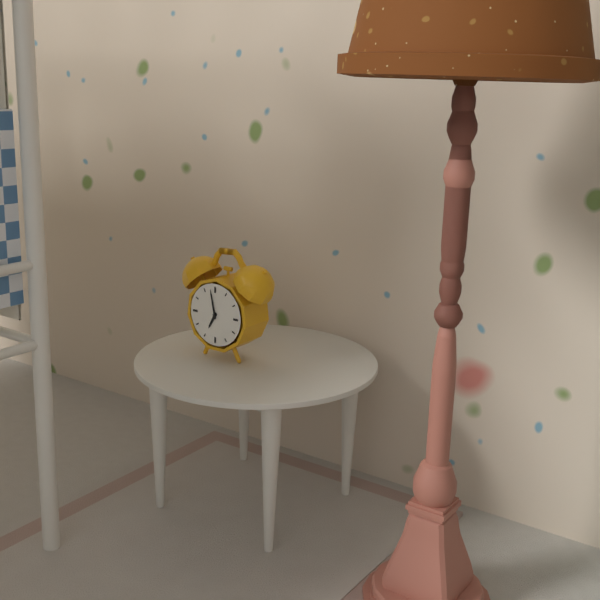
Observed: h=6 m=58
